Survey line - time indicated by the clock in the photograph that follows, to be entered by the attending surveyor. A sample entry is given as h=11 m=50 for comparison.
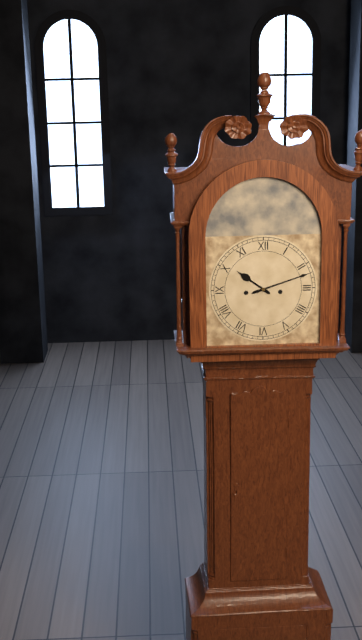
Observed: h=10 m=12
